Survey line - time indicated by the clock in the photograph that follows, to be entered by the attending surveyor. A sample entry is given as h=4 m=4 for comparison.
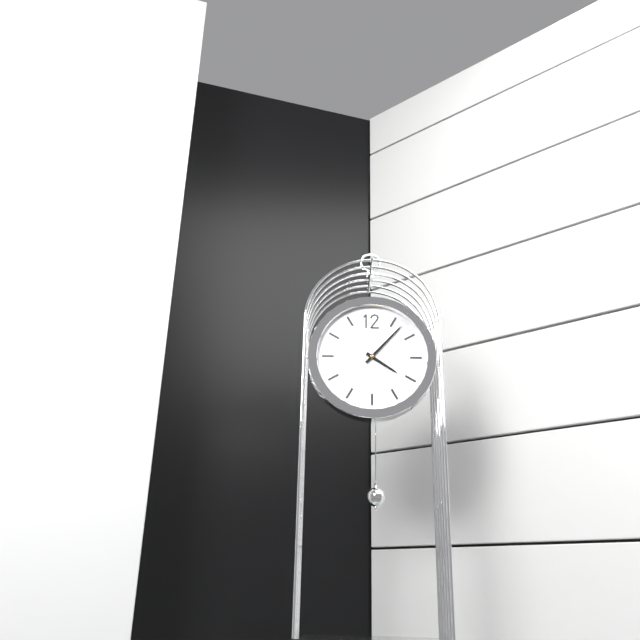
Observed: h=4 m=7
